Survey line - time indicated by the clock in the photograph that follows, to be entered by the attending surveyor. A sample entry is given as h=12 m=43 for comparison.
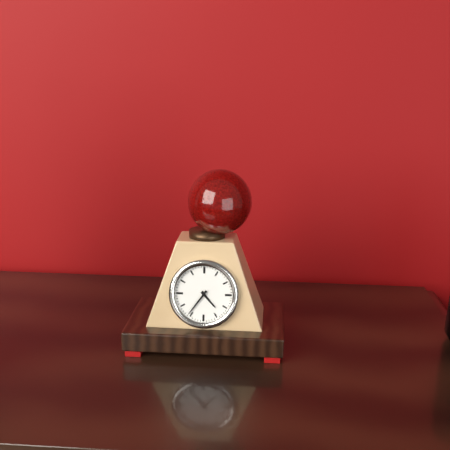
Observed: h=4 m=36
